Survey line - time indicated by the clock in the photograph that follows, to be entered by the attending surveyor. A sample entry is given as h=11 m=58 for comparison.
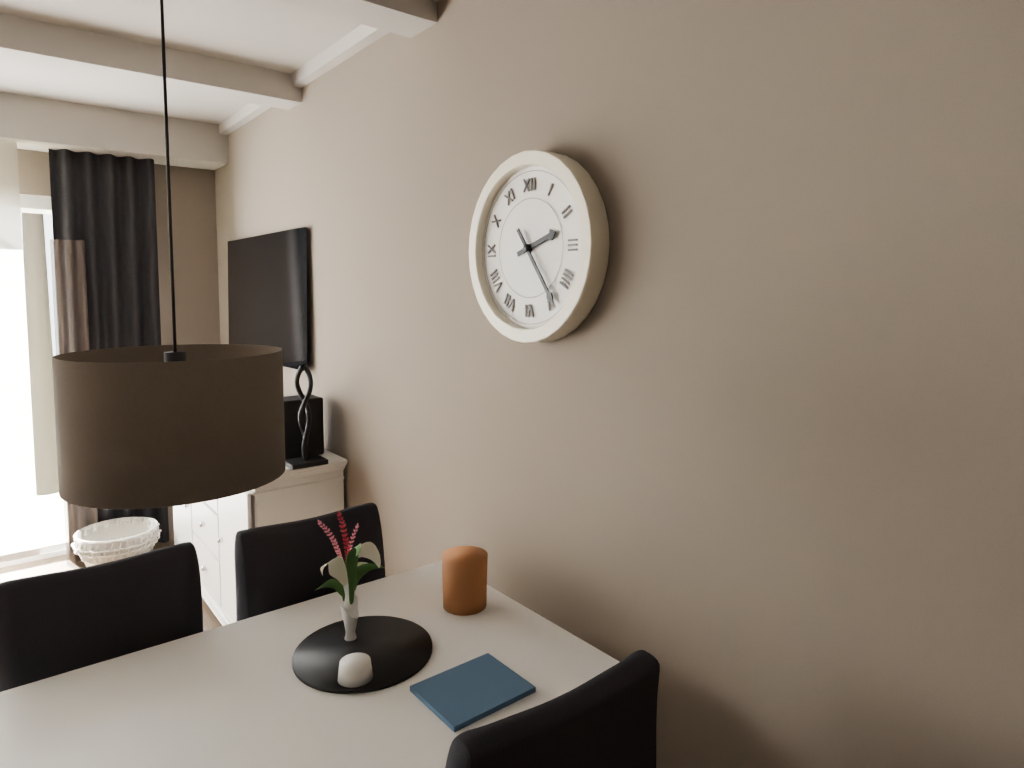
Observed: h=2 m=24
